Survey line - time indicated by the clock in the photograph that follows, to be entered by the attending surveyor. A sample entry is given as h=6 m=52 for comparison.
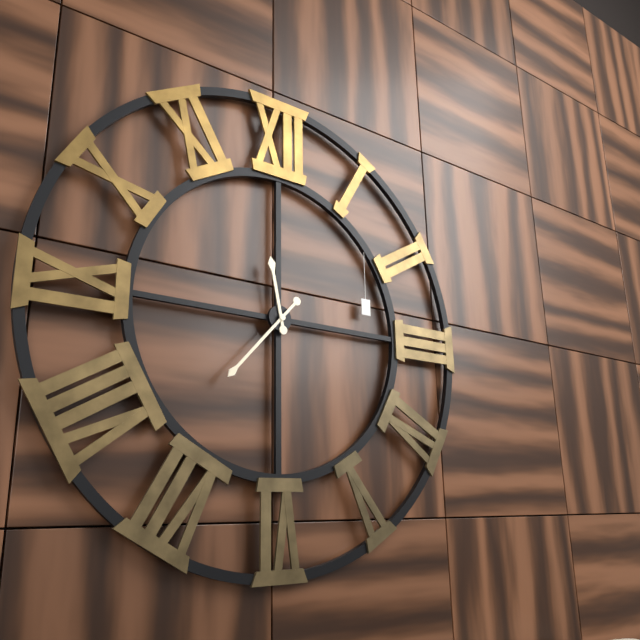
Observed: h=11 m=37
